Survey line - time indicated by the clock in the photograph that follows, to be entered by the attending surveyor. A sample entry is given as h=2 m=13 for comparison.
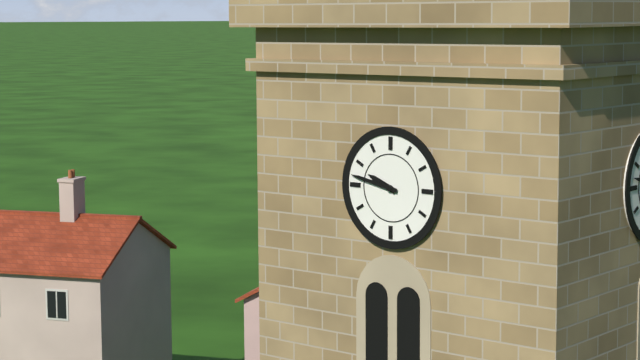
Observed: h=9 m=47
